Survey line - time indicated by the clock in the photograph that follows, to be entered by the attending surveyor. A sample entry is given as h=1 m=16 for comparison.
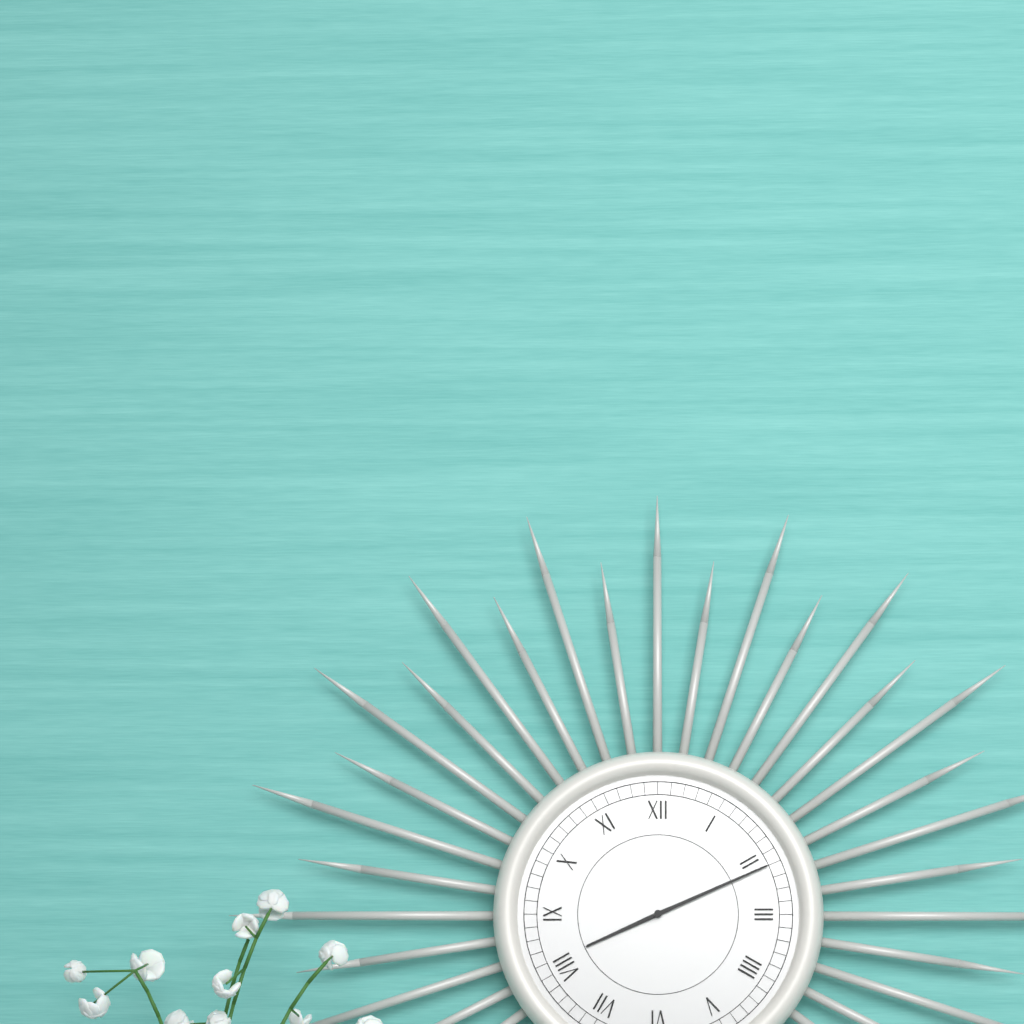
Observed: h=8 m=11
